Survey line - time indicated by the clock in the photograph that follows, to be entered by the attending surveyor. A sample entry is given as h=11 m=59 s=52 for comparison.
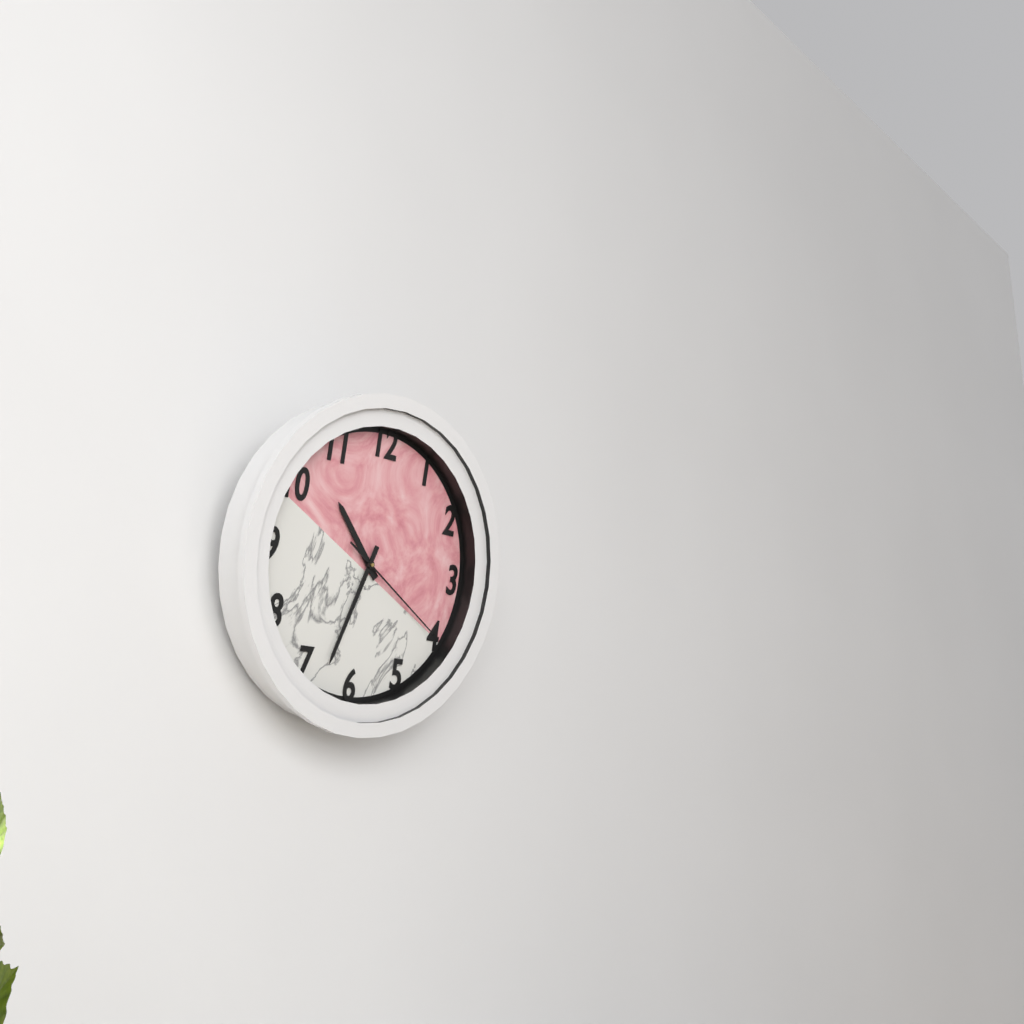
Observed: h=10 m=33 s=20
